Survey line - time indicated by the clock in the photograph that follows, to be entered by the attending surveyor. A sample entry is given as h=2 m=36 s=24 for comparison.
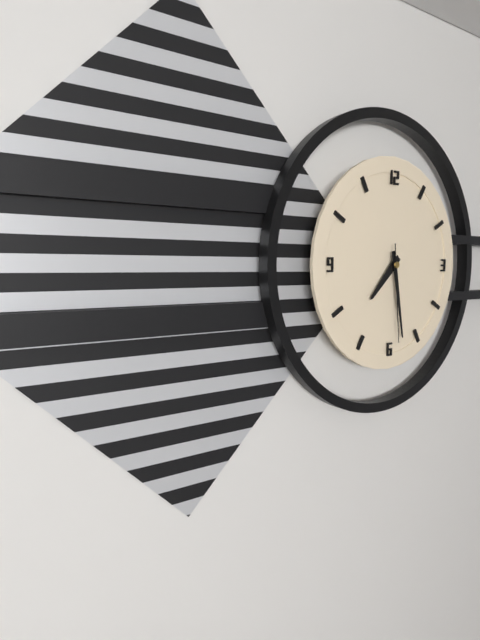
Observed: h=7 m=28 s=29
